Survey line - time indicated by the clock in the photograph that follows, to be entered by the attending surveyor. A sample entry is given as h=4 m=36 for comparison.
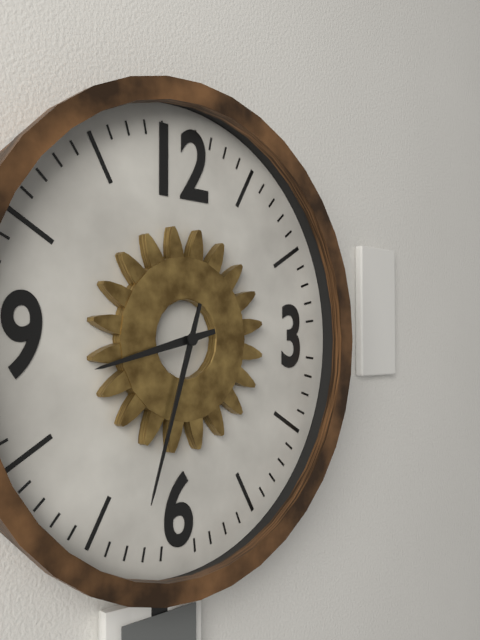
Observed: h=8 m=33
